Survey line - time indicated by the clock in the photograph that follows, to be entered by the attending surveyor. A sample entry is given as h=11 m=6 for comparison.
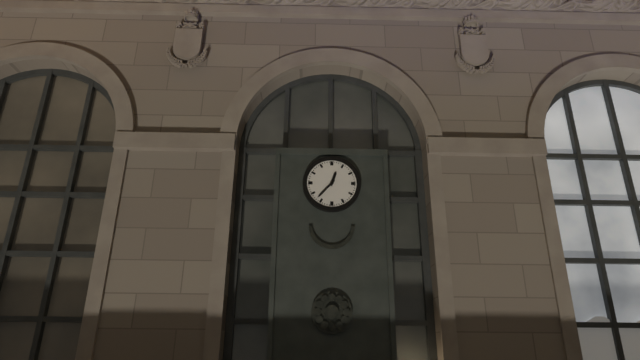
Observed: h=12 m=37
